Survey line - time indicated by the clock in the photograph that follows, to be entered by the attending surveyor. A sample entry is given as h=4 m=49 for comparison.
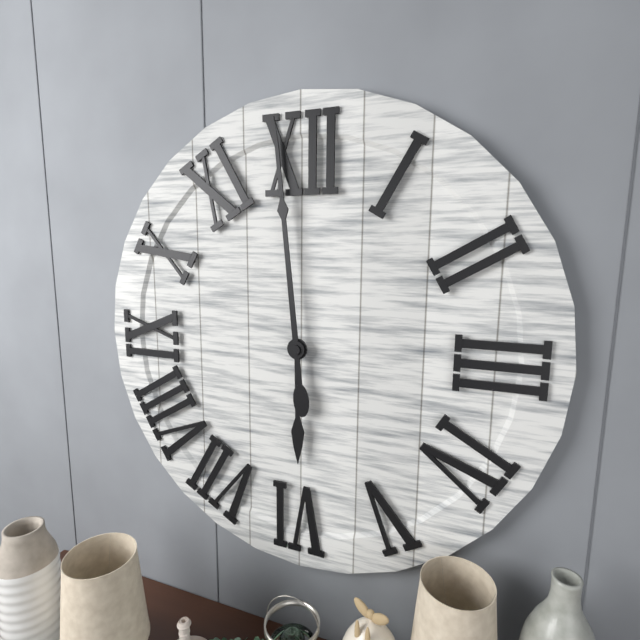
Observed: h=5 m=59
